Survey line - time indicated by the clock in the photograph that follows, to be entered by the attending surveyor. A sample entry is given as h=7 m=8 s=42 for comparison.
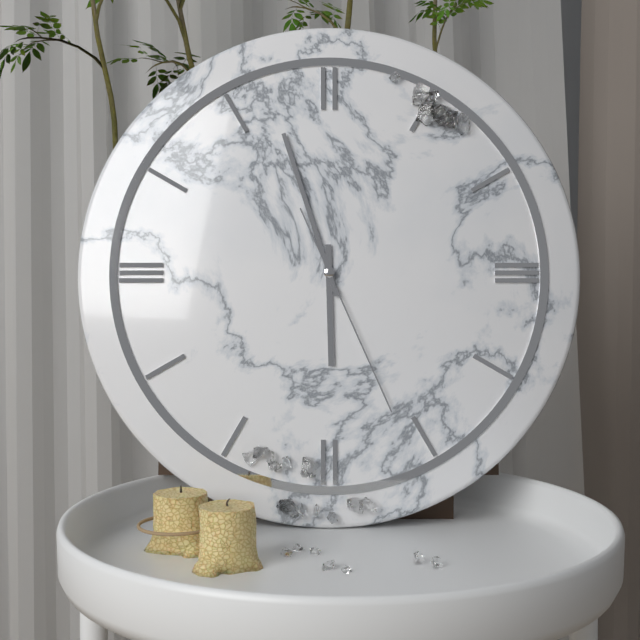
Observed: h=5 m=57 s=26
